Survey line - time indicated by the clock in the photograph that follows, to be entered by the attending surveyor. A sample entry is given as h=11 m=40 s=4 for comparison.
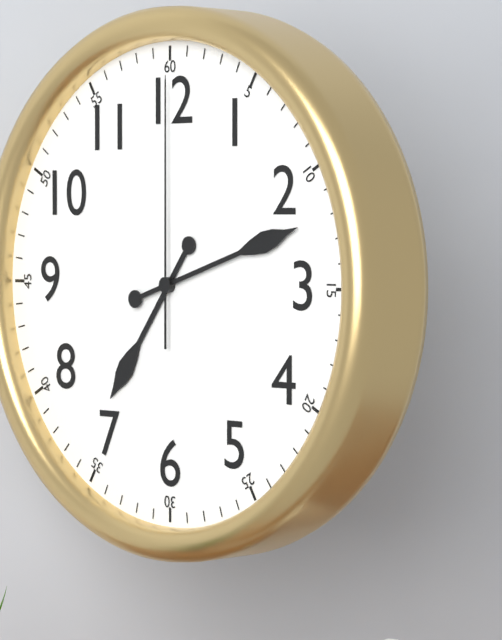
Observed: h=7 m=12 s=0
